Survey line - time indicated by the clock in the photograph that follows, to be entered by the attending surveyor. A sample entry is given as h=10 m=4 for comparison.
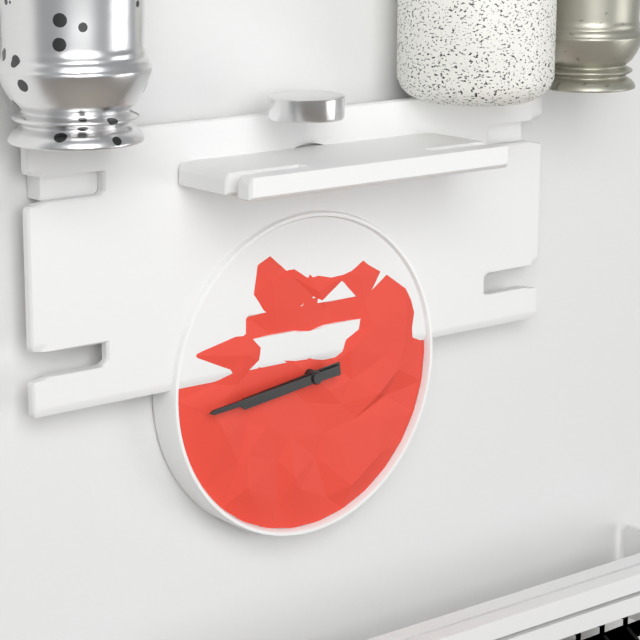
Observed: h=8 m=44
